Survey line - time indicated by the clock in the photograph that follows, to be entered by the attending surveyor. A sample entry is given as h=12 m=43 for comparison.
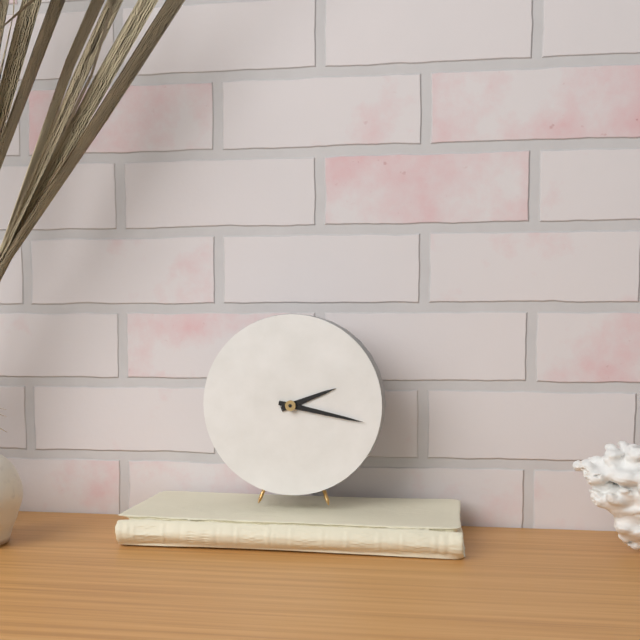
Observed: h=2 m=17
